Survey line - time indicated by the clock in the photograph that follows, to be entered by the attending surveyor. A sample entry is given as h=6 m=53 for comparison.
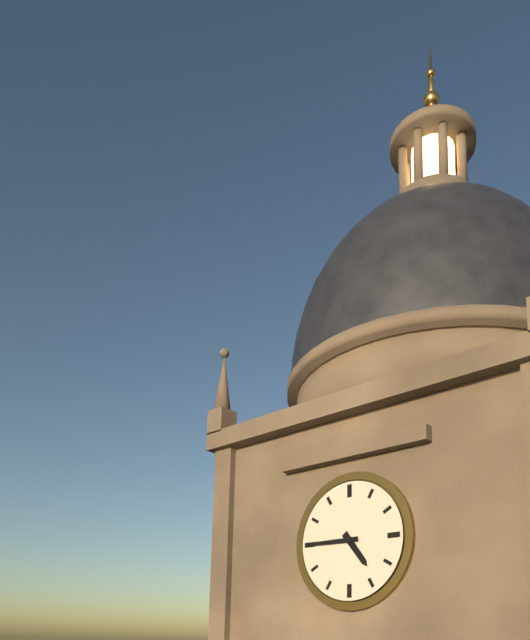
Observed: h=4 m=45
